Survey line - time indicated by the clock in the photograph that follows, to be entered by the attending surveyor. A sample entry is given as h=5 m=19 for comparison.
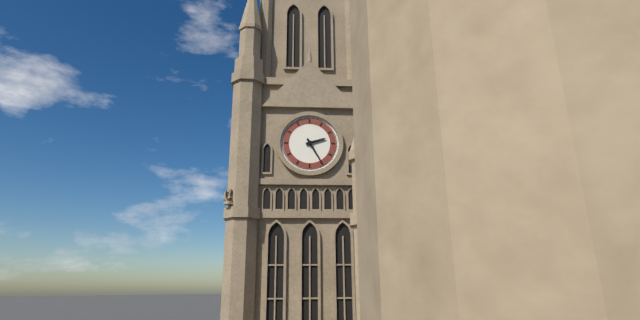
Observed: h=2 m=25
